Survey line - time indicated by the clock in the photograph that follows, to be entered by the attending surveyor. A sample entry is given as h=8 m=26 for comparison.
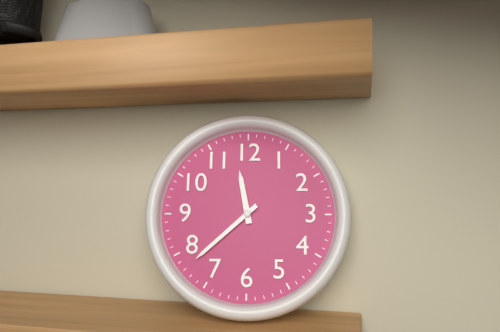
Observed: h=11 m=38
